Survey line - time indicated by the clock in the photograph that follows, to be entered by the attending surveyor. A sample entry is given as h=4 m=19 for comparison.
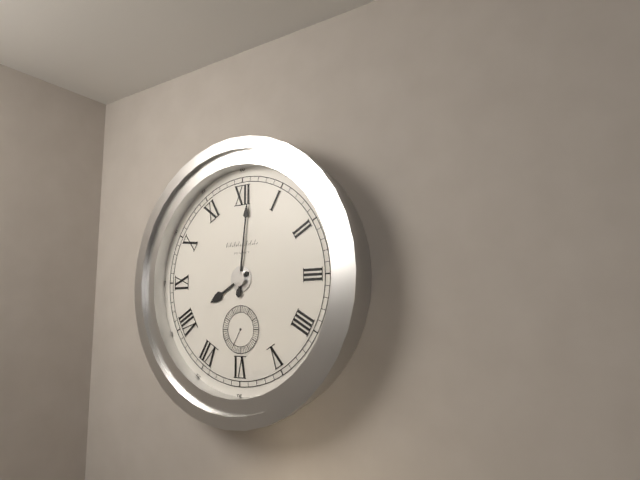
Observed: h=8 m=1
